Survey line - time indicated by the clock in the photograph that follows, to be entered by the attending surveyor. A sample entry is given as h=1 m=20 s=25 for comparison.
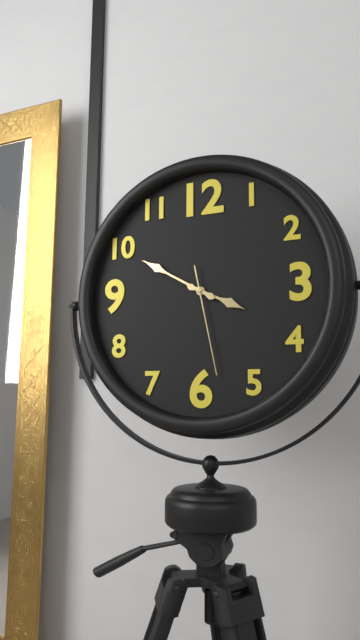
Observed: h=3 m=50 s=28
